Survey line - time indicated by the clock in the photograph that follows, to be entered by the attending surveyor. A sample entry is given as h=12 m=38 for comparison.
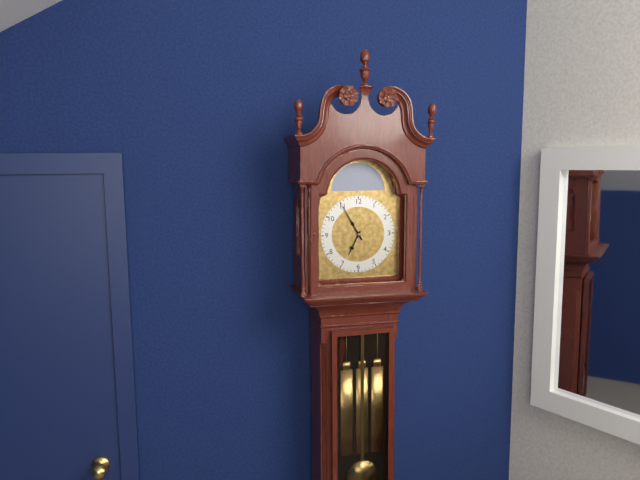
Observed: h=6 m=55
